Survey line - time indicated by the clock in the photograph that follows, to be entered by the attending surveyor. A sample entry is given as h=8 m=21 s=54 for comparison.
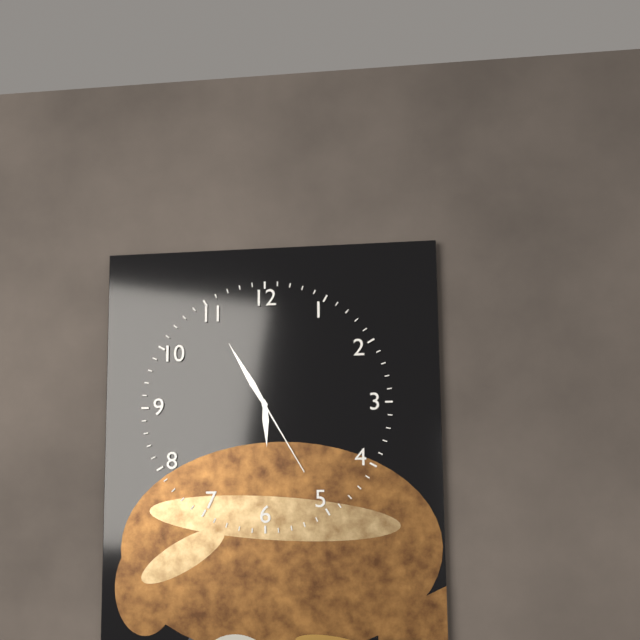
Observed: h=5 m=55 s=25
